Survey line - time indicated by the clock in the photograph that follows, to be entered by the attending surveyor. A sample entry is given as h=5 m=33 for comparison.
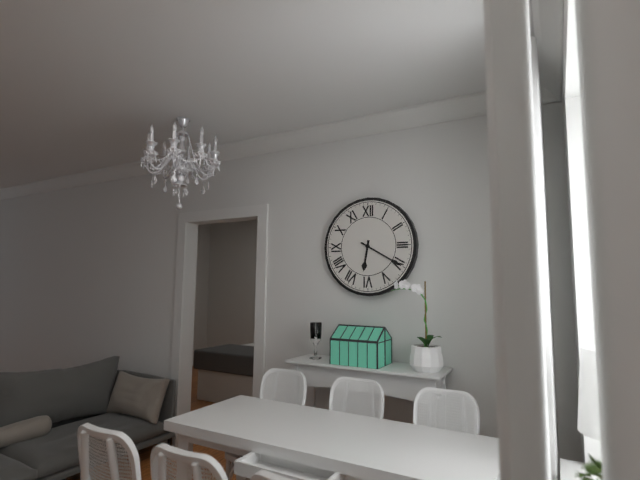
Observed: h=6 m=20
